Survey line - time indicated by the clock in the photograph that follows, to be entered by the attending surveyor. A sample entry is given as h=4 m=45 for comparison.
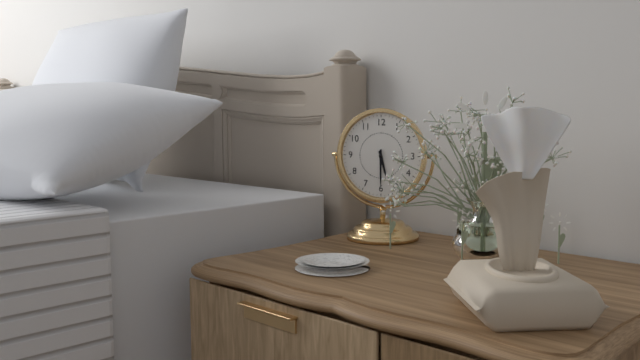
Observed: h=5 m=30
